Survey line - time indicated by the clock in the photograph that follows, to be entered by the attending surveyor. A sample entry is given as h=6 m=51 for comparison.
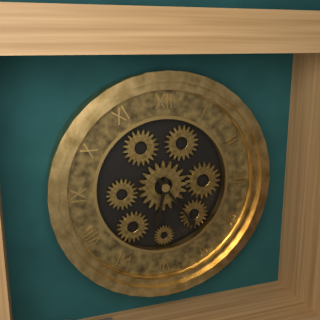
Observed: h=6 m=24
